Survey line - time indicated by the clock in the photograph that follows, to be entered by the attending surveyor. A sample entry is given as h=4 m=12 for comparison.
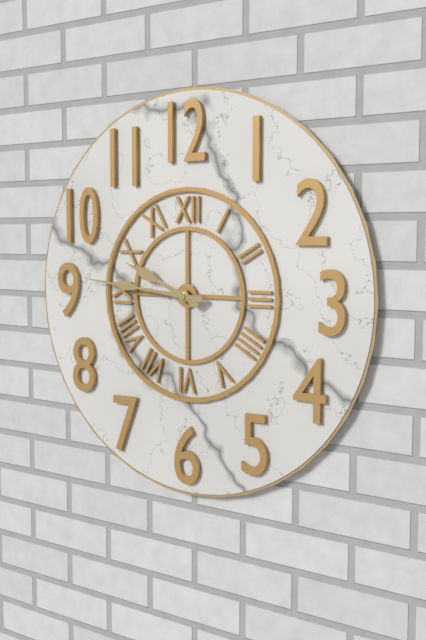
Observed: h=9 m=46
